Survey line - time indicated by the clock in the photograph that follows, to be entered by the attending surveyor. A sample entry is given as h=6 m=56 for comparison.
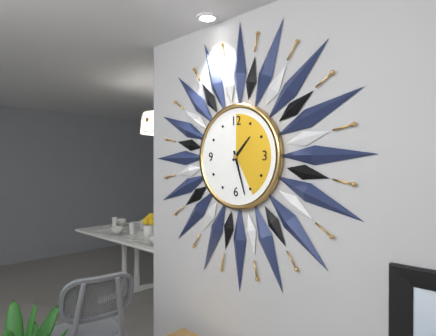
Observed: h=1 m=27
